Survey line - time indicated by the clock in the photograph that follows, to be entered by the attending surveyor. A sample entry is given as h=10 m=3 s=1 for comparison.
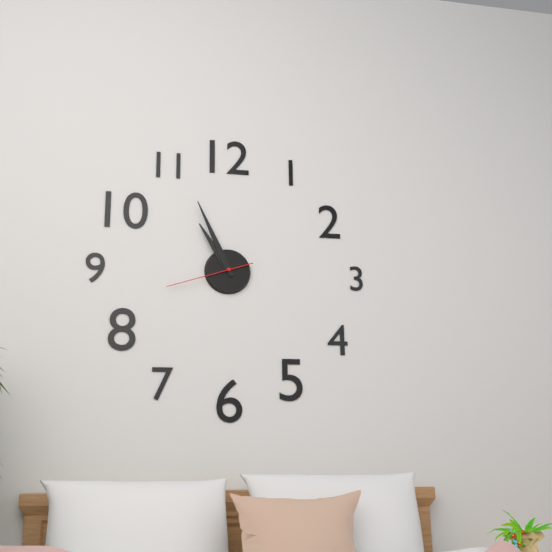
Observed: h=10 m=56 s=42
